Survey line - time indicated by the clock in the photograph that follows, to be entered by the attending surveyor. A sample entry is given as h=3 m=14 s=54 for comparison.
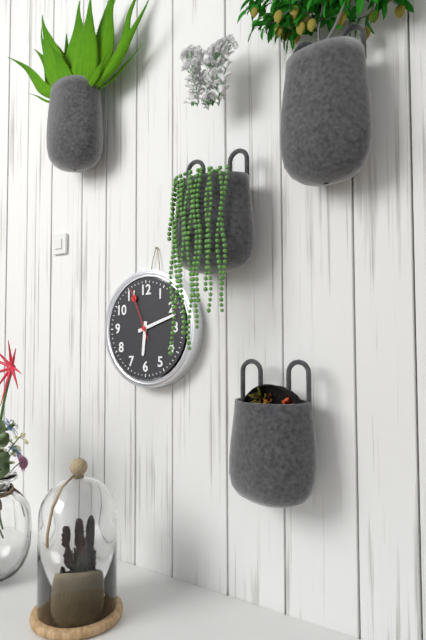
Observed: h=6 m=12 s=56
